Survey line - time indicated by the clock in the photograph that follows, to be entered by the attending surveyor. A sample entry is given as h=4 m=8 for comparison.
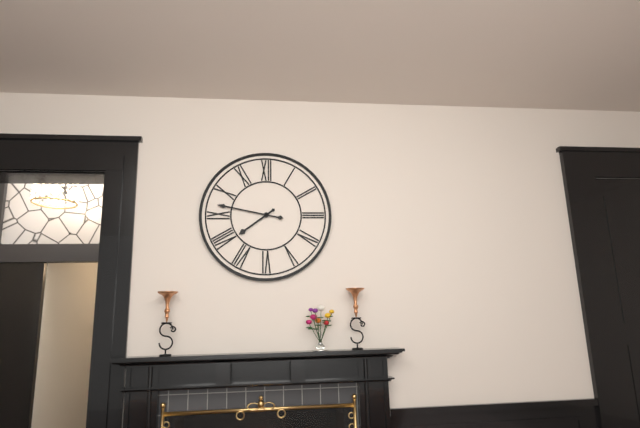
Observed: h=7 m=47
